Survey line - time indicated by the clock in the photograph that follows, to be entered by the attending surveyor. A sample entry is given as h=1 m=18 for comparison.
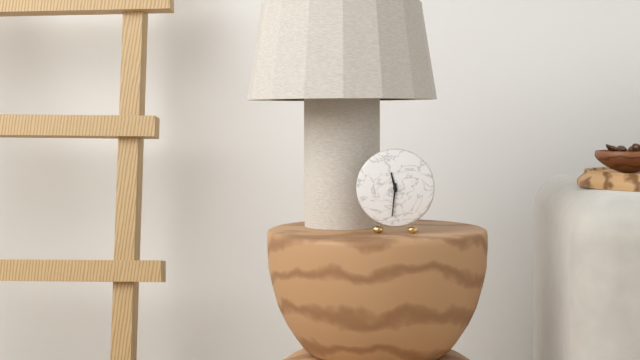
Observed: h=11 m=31
